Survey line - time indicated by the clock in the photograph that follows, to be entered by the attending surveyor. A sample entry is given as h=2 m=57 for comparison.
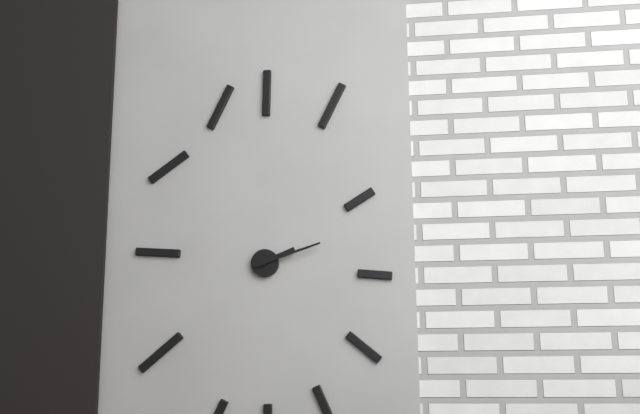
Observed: h=2 m=12
